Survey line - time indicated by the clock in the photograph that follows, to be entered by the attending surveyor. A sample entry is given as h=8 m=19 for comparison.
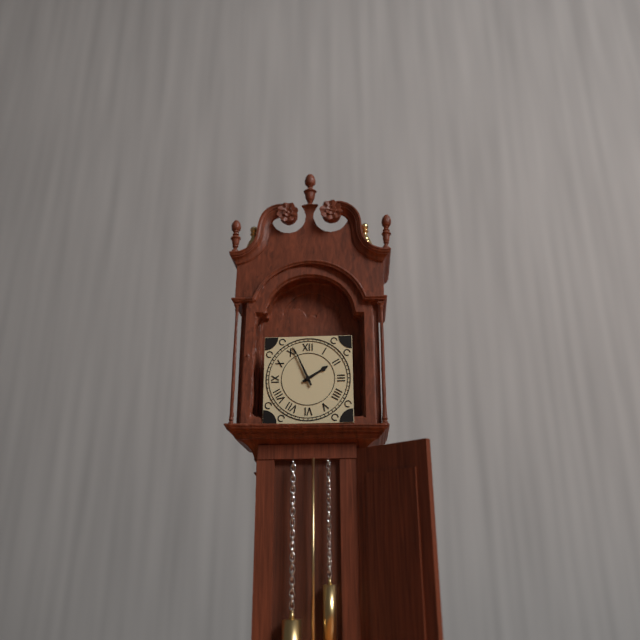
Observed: h=1 m=56
